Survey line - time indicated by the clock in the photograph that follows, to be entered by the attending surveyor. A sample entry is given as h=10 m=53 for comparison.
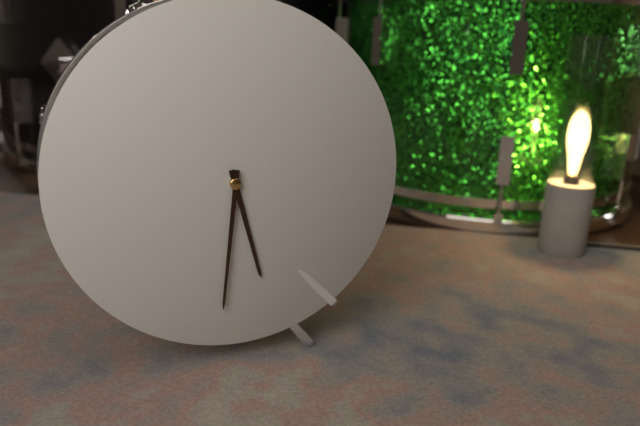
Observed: h=5 m=31
